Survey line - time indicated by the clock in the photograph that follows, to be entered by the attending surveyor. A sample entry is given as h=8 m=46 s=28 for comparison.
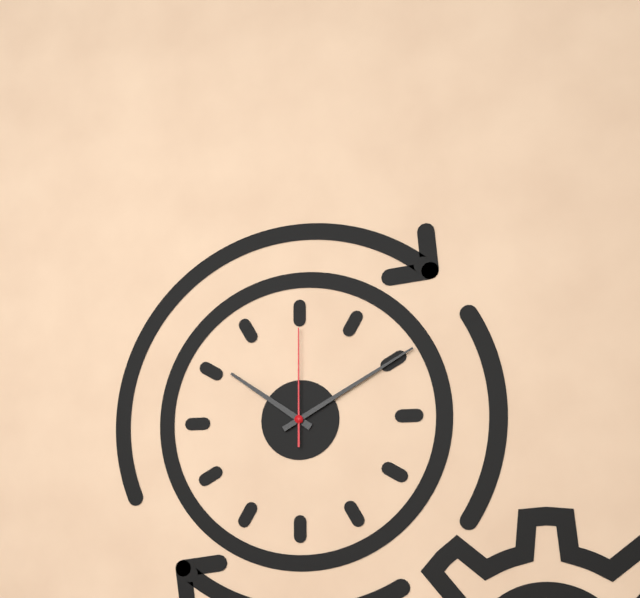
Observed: h=10 m=10 s=0
